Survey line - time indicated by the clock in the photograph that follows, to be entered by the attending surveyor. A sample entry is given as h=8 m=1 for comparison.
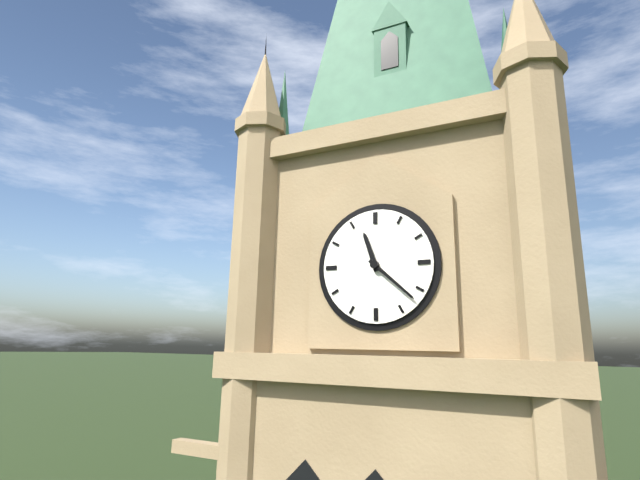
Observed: h=11 m=22
